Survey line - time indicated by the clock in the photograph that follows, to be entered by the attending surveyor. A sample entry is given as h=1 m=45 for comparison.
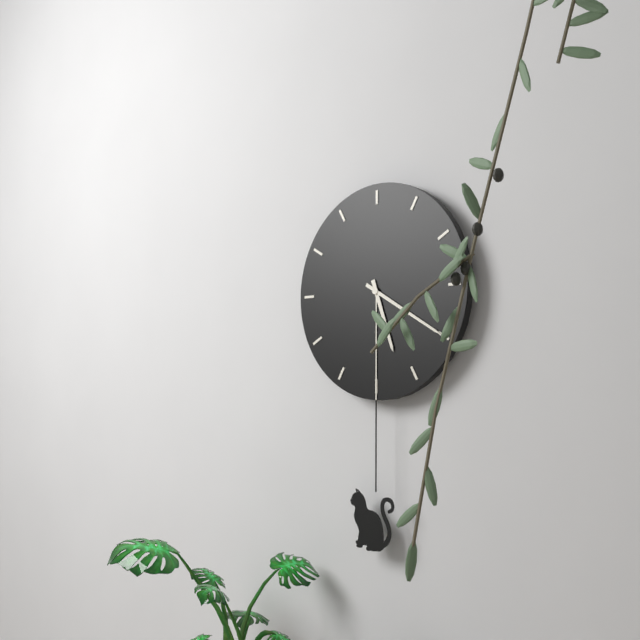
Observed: h=5 m=20
